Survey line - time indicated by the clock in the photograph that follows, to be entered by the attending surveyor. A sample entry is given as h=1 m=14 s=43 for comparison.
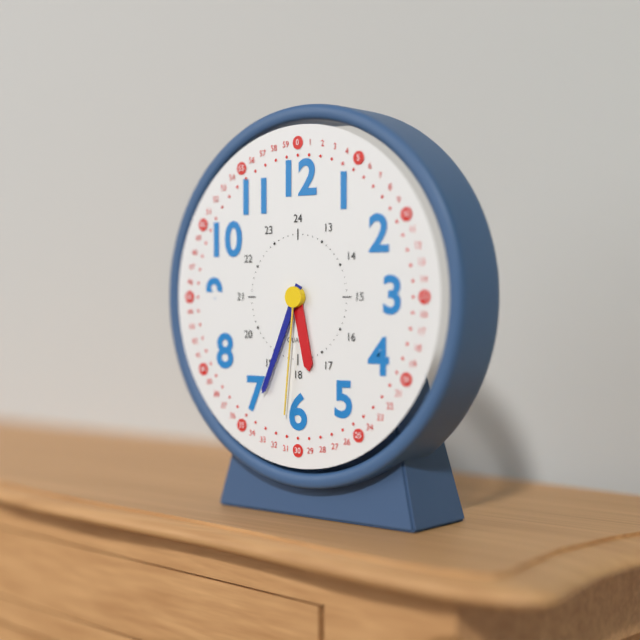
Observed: h=5 m=34 s=31
